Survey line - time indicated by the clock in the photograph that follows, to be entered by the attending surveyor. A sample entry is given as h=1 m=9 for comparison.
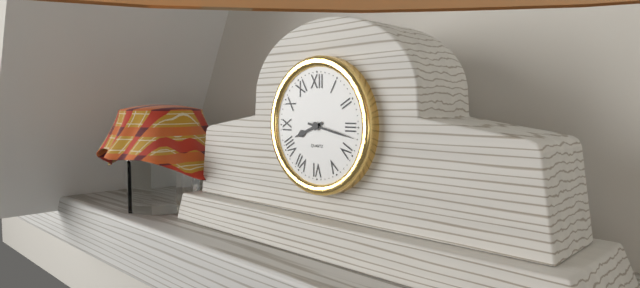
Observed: h=8 m=17
